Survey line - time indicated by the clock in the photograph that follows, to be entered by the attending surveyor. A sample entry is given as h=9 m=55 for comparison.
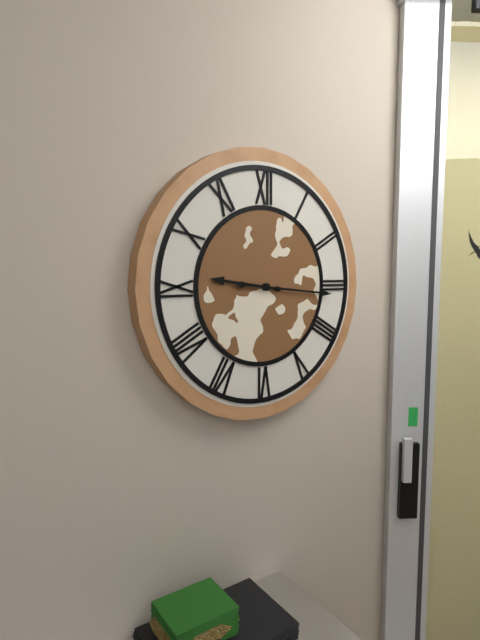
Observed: h=9 m=16
